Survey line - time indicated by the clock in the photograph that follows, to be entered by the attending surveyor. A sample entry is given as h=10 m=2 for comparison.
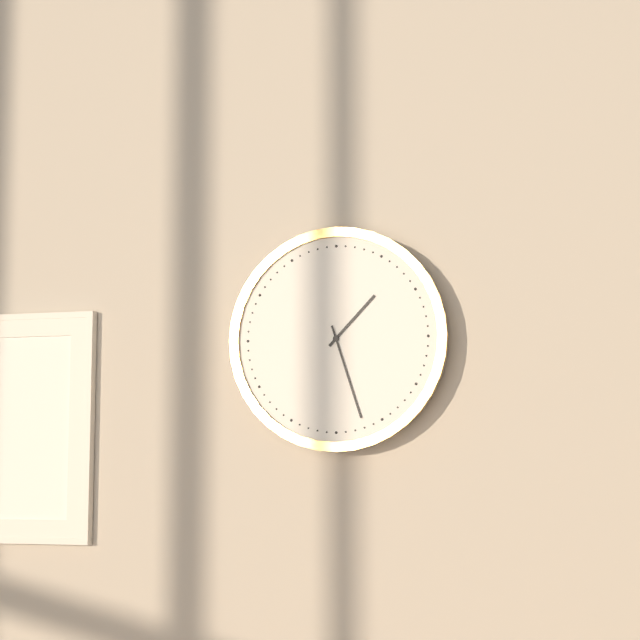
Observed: h=1 m=27
